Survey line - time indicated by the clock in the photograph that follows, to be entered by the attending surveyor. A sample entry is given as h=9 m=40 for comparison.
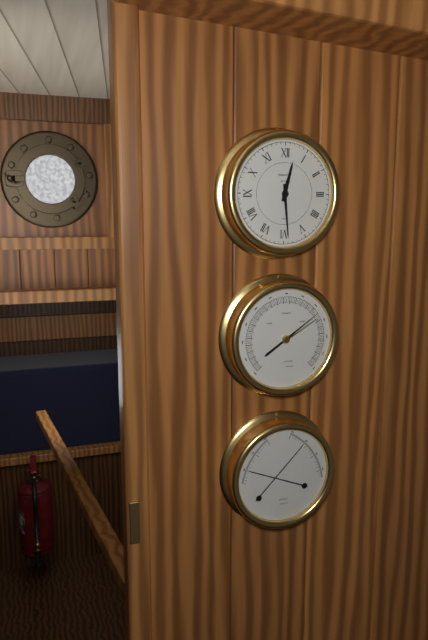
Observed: h=12 m=29
